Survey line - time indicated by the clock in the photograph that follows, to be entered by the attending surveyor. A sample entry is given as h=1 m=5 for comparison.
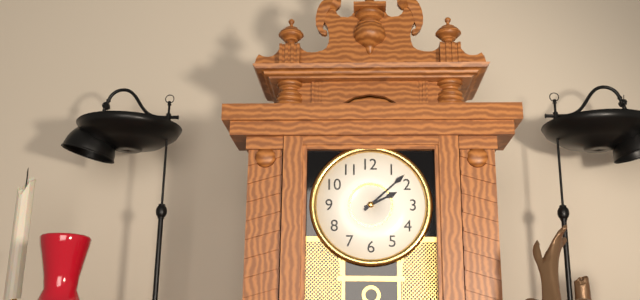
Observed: h=2 m=8
